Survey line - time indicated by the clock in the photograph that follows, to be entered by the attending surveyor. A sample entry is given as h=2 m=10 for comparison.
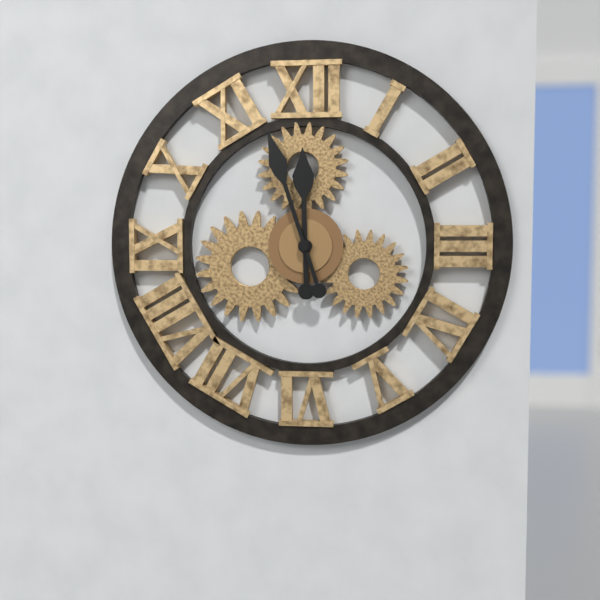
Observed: h=11 m=57
